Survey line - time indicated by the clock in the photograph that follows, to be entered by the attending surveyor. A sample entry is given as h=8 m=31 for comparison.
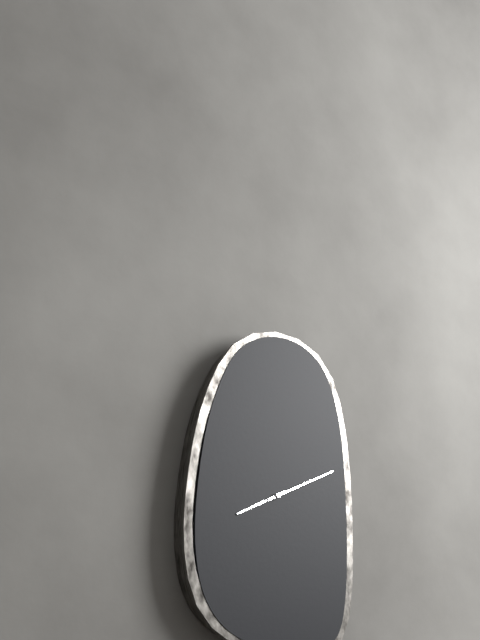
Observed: h=8 m=11
